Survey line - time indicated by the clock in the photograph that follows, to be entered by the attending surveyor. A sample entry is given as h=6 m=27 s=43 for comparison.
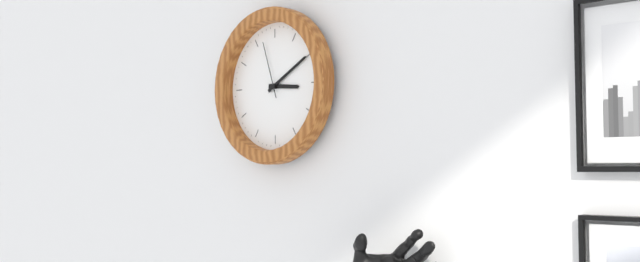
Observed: h=3 m=10 s=57
